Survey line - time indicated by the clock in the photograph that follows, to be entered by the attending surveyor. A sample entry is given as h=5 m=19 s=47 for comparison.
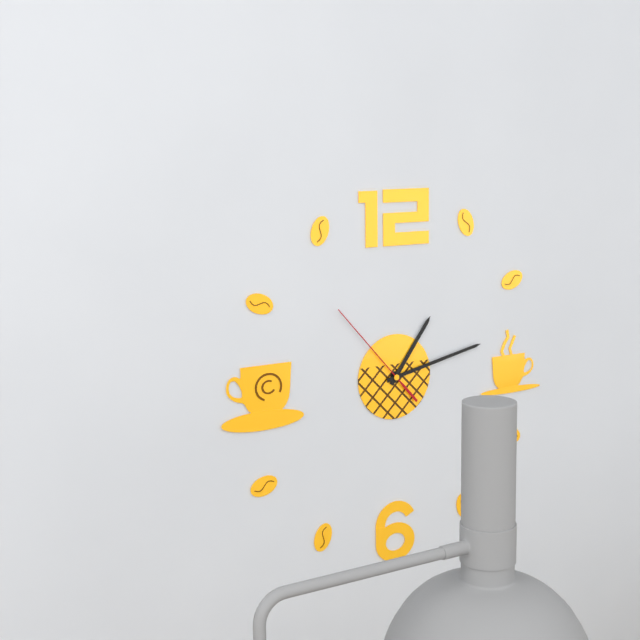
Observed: h=1 m=13 s=53
